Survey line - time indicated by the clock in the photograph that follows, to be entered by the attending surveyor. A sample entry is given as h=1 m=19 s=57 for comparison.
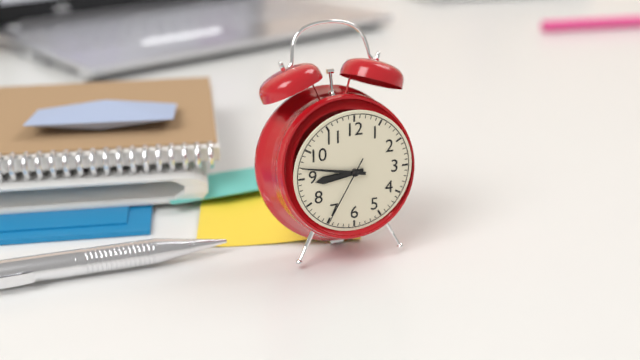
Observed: h=8 m=47 s=35
